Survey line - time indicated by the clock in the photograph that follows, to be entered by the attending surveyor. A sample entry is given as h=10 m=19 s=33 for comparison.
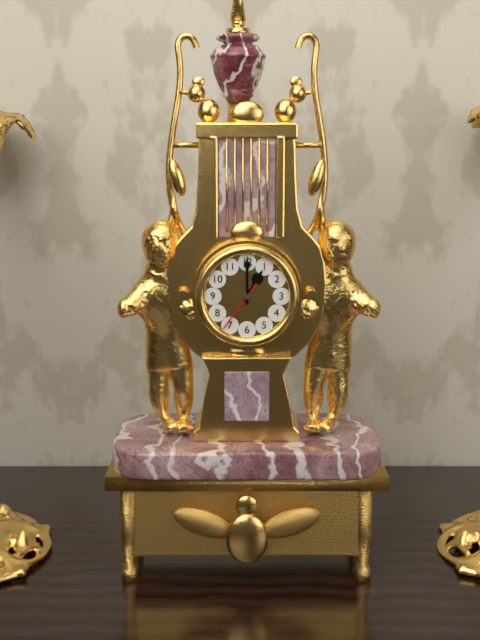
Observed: h=1 m=0 s=36
